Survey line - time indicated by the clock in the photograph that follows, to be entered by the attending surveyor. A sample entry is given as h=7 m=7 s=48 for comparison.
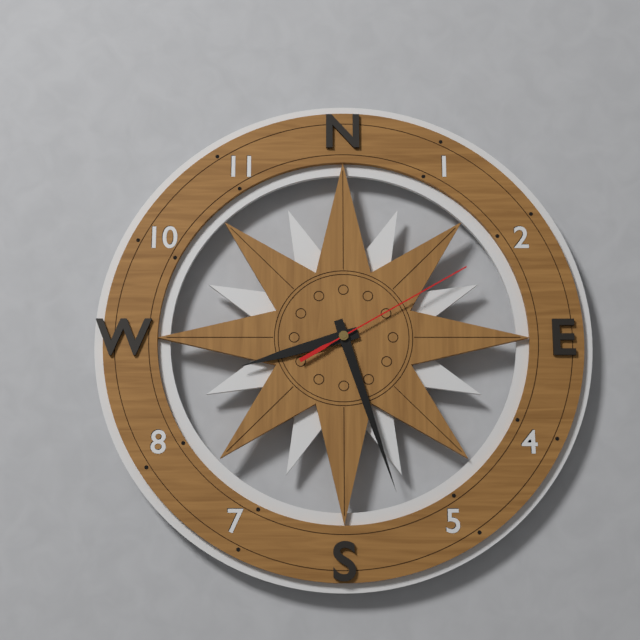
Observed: h=8 m=27 s=10
